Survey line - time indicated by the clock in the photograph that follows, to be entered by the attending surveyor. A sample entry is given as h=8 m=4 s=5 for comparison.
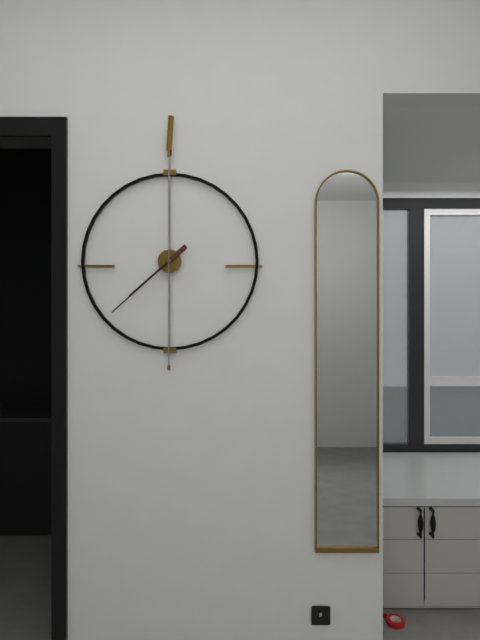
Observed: h=7 m=38 s=0
